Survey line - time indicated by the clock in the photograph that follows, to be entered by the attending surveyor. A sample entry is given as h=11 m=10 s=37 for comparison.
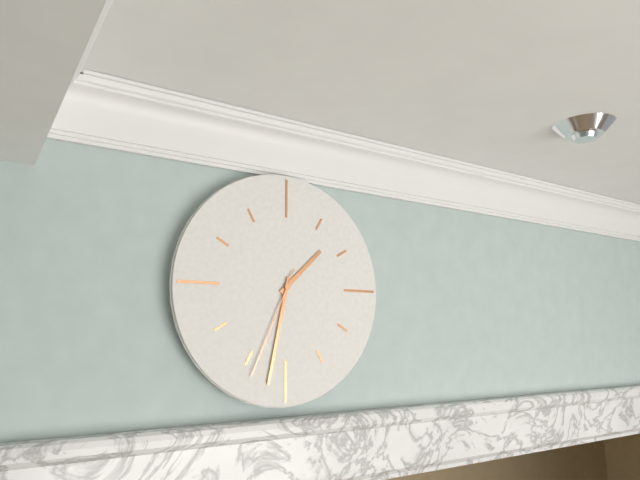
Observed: h=1 m=32 s=34
